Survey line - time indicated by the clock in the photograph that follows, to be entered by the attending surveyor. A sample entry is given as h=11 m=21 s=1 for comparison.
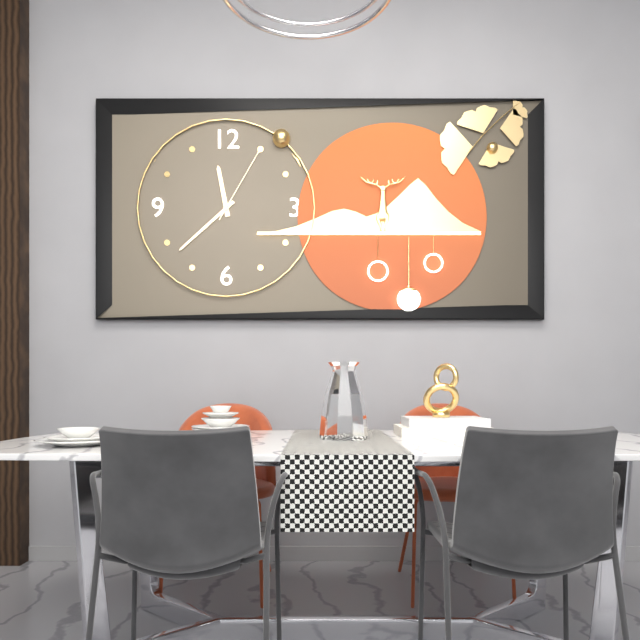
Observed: h=11 m=38 s=5
